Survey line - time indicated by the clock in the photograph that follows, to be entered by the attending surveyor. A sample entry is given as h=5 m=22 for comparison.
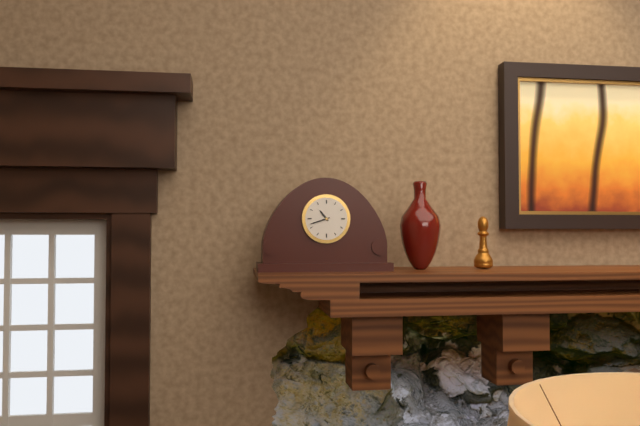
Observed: h=10 m=42
